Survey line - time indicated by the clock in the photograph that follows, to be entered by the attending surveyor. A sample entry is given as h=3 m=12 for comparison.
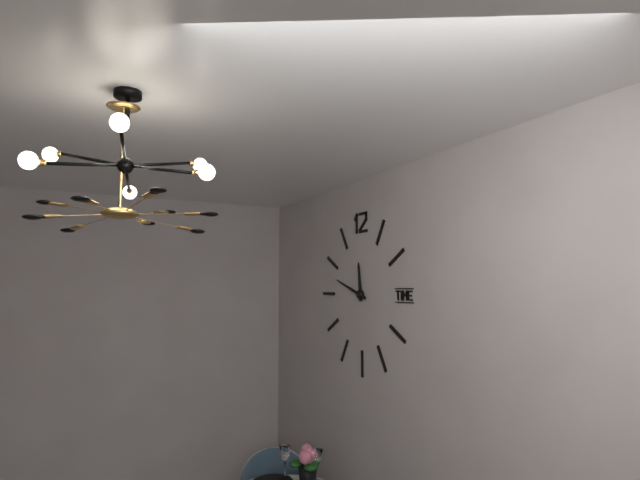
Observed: h=11 m=48
